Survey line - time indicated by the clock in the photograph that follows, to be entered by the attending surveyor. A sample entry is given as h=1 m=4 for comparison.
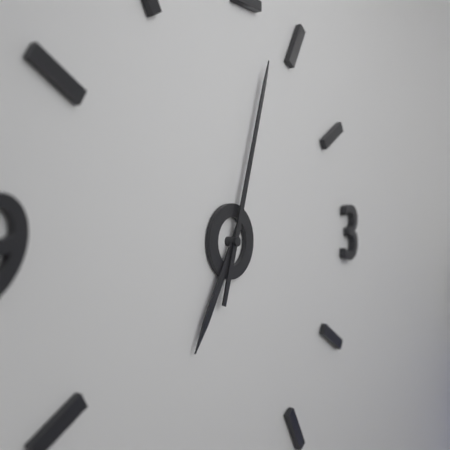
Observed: h=7 m=3
